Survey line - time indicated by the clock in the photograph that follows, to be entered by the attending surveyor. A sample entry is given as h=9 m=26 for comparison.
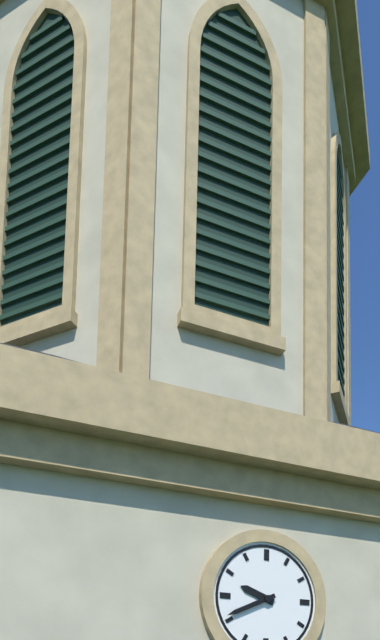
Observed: h=9 m=41
